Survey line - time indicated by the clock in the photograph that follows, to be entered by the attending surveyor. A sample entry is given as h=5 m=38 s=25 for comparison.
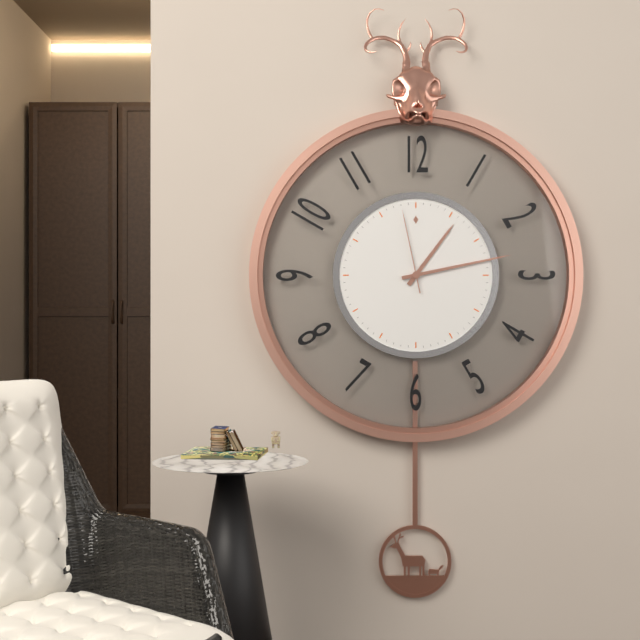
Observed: h=1 m=13 s=58
